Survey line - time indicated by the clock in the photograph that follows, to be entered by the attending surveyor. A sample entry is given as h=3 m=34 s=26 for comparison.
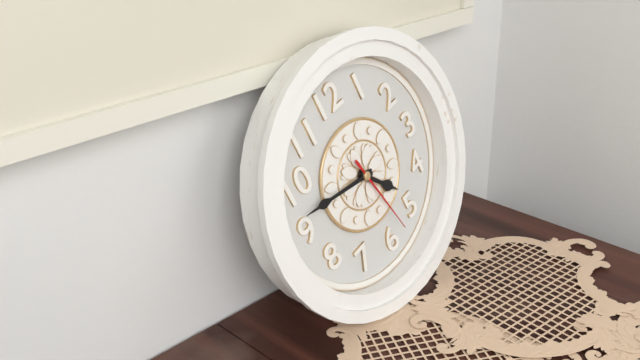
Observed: h=4 m=47 s=28
